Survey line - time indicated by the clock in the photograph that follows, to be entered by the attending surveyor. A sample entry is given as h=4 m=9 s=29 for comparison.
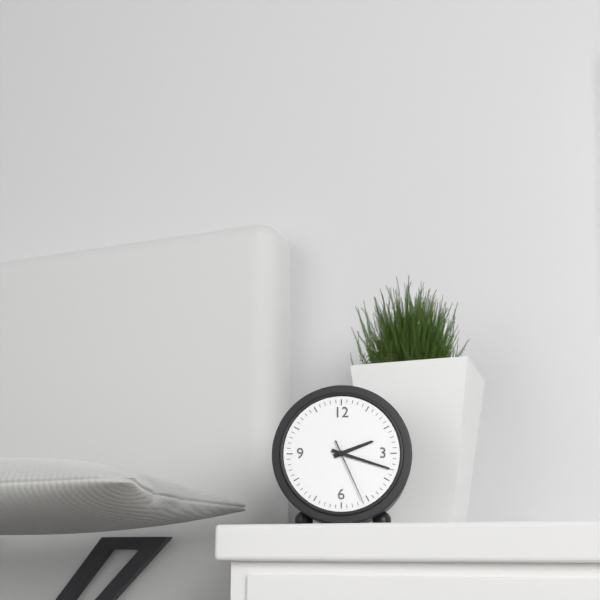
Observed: h=2 m=18 s=26
